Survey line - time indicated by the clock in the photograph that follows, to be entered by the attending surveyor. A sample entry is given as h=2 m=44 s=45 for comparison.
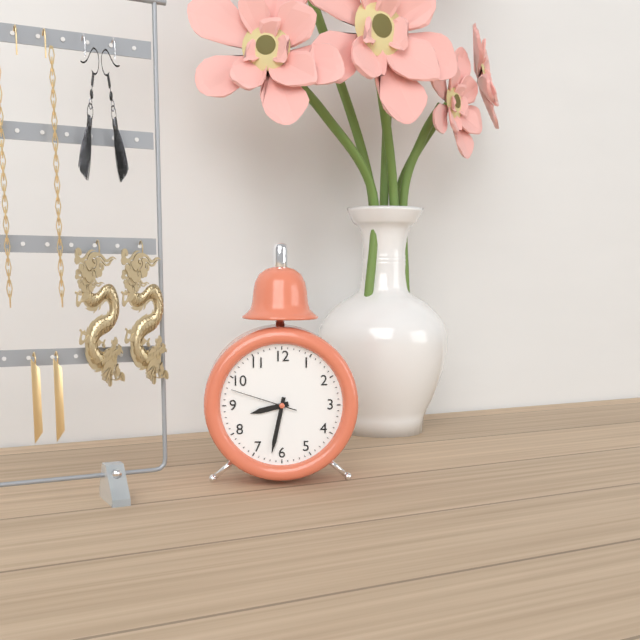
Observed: h=8 m=32 s=48
